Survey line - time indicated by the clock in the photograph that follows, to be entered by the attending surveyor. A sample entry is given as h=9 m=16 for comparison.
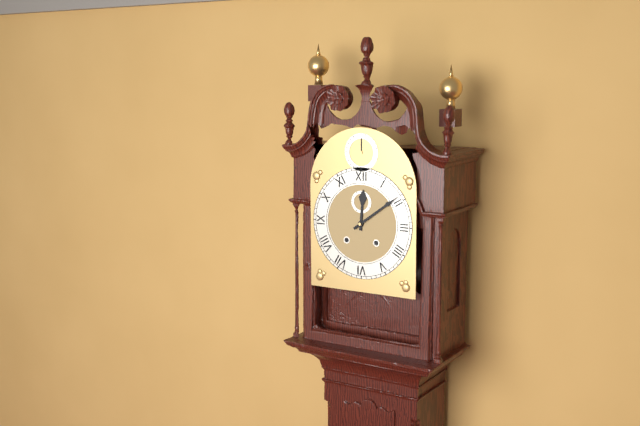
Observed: h=12 m=9
